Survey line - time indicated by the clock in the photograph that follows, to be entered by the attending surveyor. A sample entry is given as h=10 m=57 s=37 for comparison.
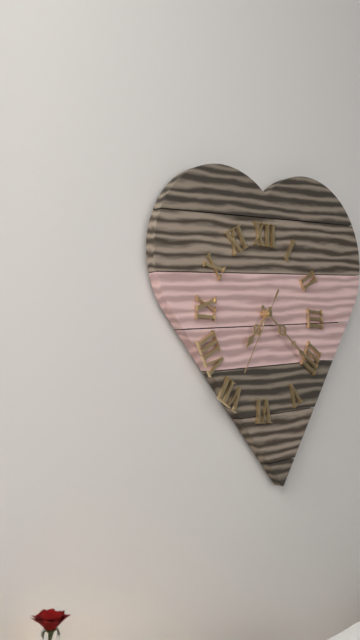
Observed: h=7 m=21 s=35
